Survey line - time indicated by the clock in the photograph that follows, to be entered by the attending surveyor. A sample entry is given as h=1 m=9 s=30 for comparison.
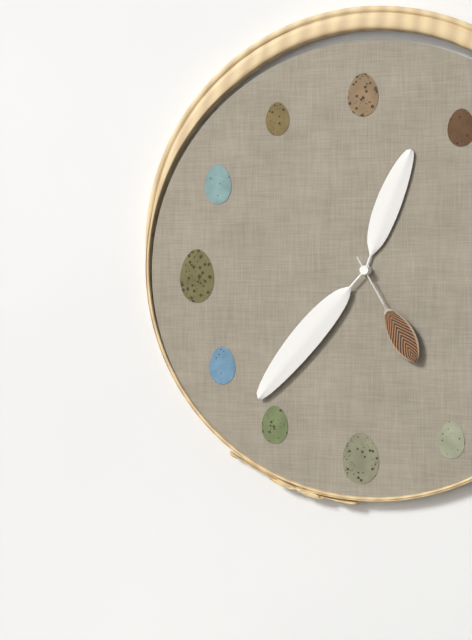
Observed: h=12 m=37 s=25
